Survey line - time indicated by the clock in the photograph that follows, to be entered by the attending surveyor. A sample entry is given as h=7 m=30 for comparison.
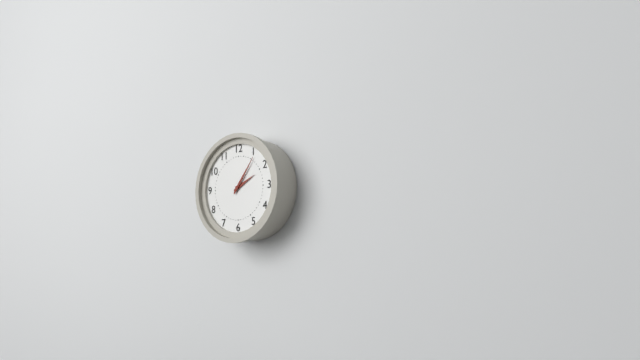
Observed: h=2 m=6
